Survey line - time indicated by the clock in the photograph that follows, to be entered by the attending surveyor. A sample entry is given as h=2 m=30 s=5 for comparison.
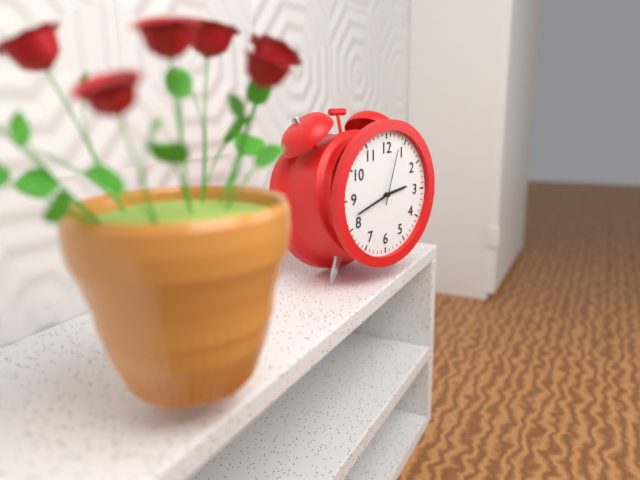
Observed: h=2 m=42 s=3
